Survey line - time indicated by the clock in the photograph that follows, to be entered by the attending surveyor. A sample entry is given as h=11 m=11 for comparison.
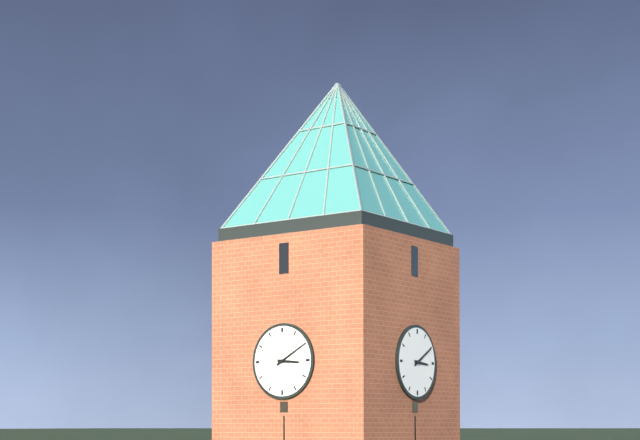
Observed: h=3 m=10
